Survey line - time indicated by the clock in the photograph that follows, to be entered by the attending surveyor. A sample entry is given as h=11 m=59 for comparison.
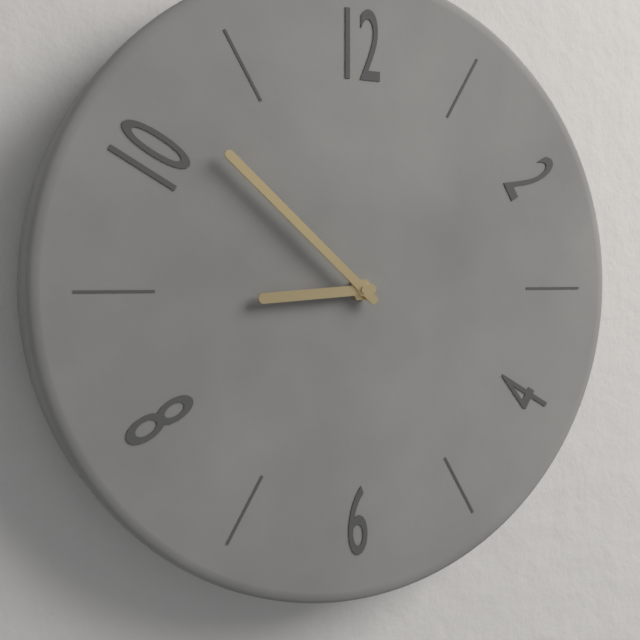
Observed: h=8 m=52
